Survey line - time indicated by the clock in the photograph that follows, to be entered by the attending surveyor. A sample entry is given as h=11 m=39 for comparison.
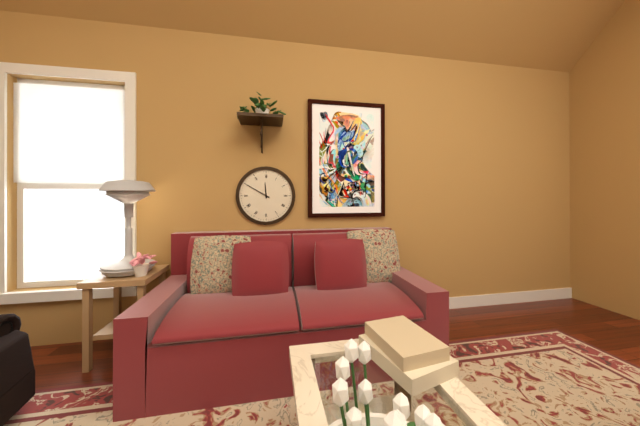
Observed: h=11 m=50
